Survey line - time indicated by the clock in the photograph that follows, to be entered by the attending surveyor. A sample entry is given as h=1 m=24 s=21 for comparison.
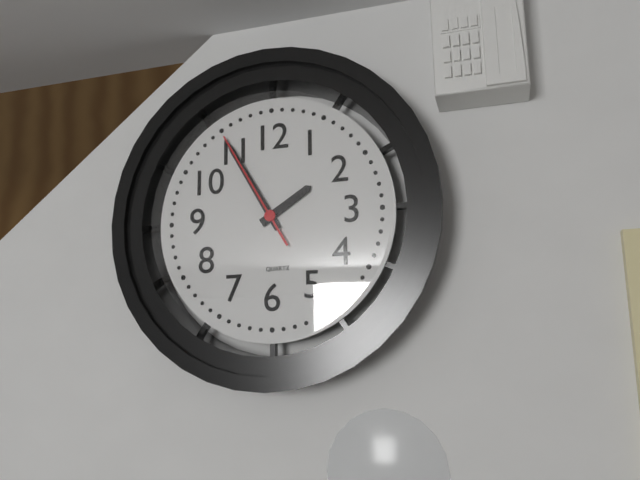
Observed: h=1 m=55 s=55
